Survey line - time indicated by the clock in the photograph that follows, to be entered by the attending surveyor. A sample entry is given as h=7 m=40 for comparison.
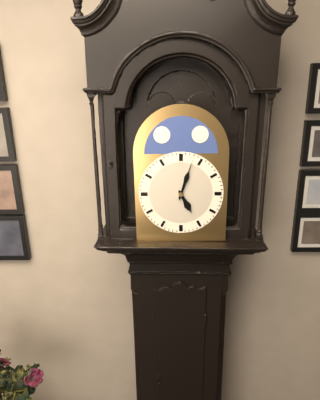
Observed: h=5 m=3
